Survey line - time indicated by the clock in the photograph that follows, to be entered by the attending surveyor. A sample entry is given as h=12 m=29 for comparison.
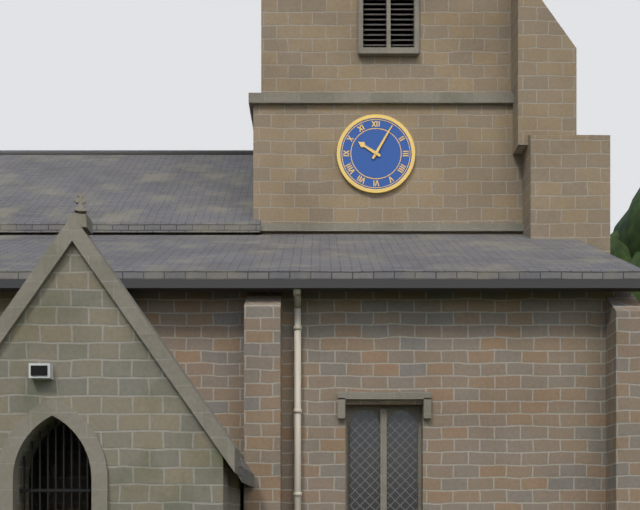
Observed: h=10 m=5
